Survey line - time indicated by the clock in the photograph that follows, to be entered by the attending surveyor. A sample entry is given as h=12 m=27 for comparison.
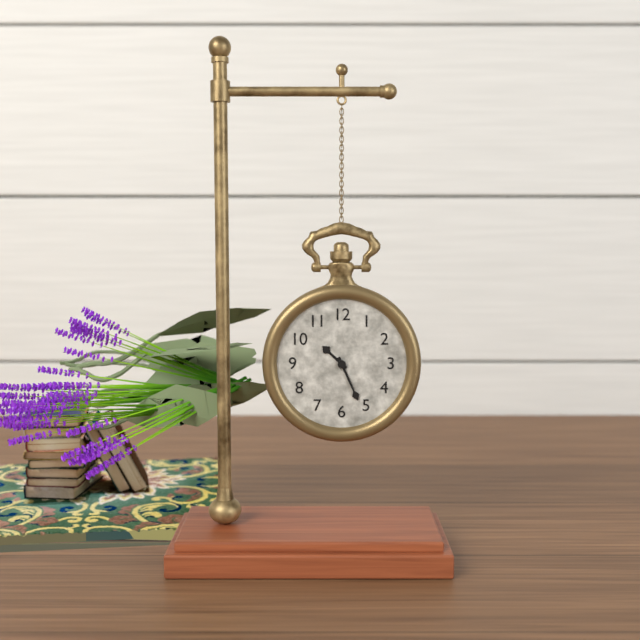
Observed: h=10 m=26
